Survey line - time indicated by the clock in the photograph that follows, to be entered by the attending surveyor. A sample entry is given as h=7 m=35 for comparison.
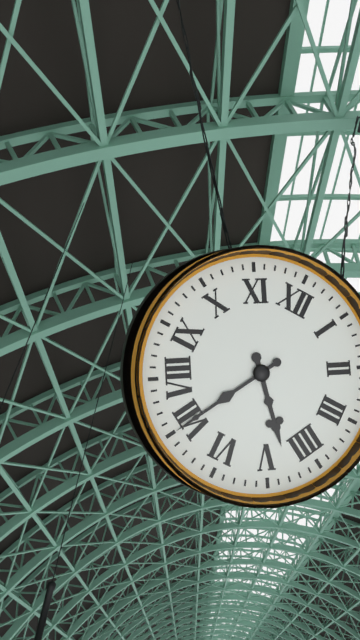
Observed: h=4 m=35
